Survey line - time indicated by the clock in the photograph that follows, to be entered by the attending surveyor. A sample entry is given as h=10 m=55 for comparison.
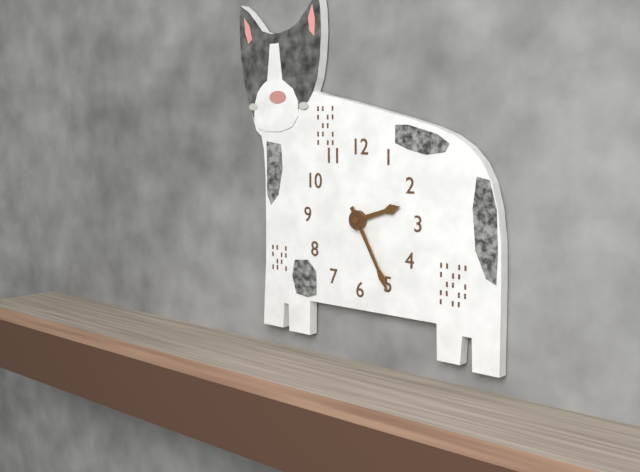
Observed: h=2 m=25
